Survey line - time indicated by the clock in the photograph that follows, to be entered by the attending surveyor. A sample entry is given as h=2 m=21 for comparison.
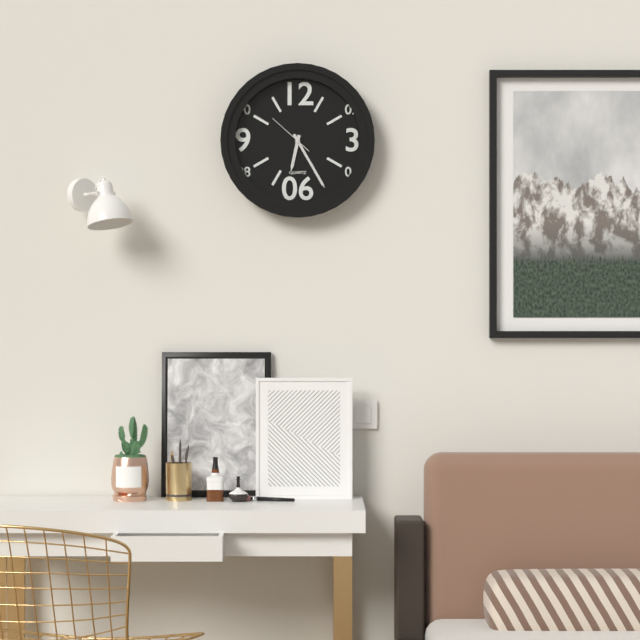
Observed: h=6 m=25
